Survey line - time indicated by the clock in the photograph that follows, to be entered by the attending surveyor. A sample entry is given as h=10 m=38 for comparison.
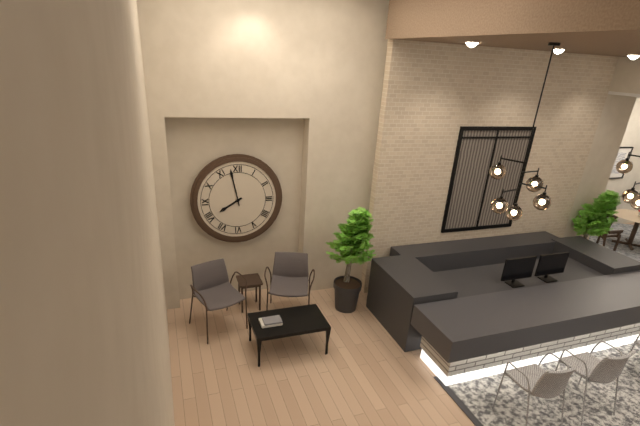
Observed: h=7 m=58
